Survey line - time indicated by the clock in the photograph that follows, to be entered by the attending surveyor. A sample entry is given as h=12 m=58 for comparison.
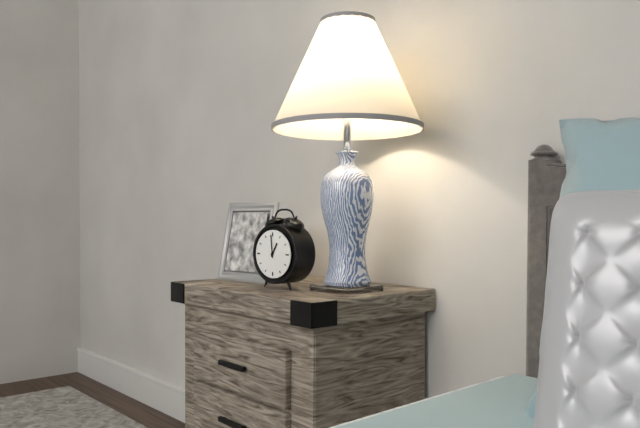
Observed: h=12 m=59
